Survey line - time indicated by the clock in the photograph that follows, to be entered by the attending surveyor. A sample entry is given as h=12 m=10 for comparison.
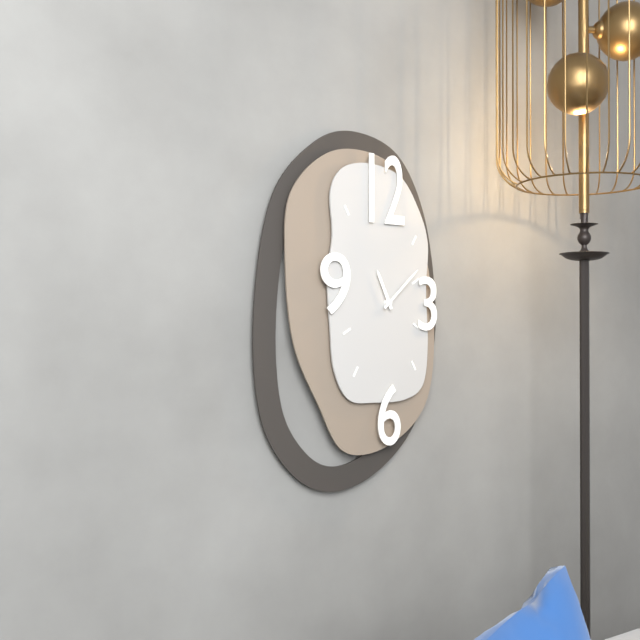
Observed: h=11 m=8
